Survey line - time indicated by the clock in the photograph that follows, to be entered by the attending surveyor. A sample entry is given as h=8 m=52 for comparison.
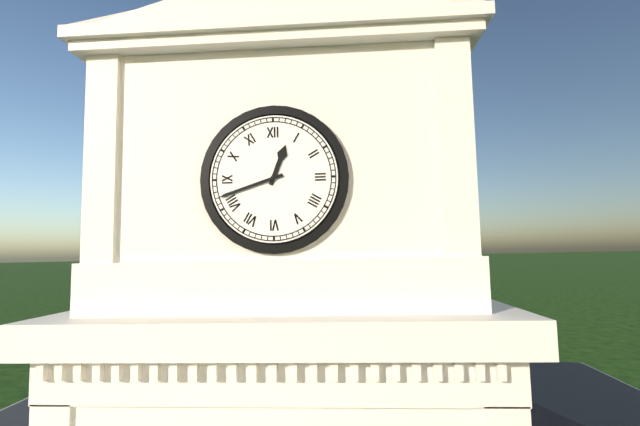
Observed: h=12 m=42
